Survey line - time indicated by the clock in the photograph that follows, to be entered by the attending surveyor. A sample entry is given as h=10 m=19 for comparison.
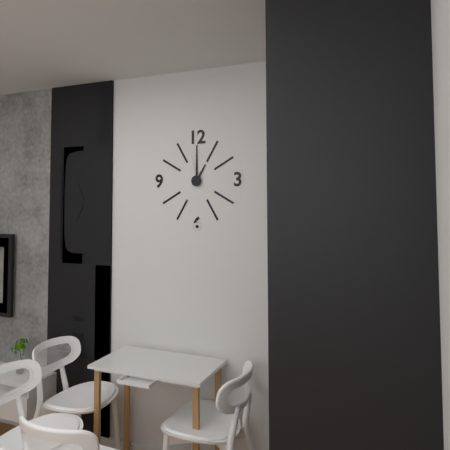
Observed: h=1 m=0
